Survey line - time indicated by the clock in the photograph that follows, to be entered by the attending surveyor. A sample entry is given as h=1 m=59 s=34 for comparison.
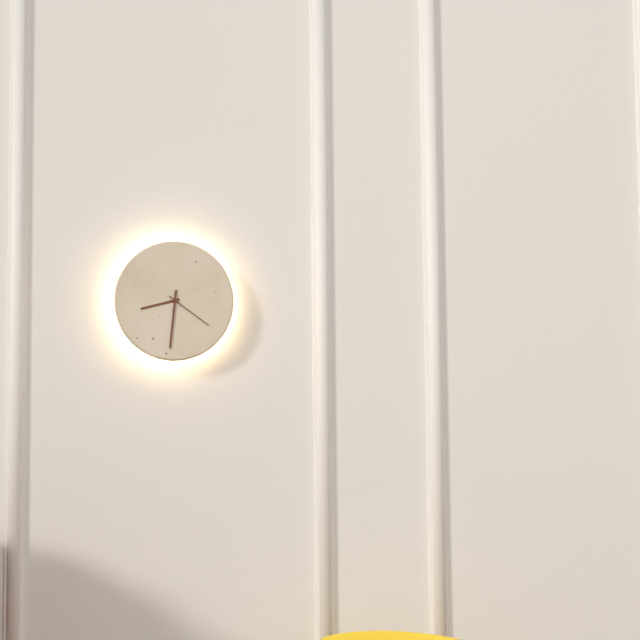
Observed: h=8 m=31 s=21
